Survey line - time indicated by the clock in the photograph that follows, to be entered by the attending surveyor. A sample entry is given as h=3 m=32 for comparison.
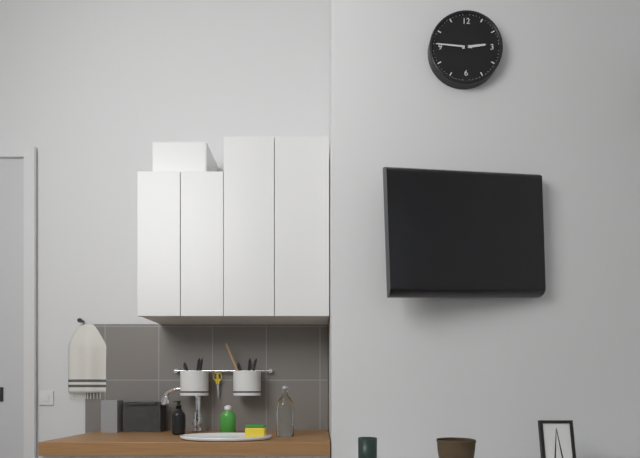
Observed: h=2 m=46
